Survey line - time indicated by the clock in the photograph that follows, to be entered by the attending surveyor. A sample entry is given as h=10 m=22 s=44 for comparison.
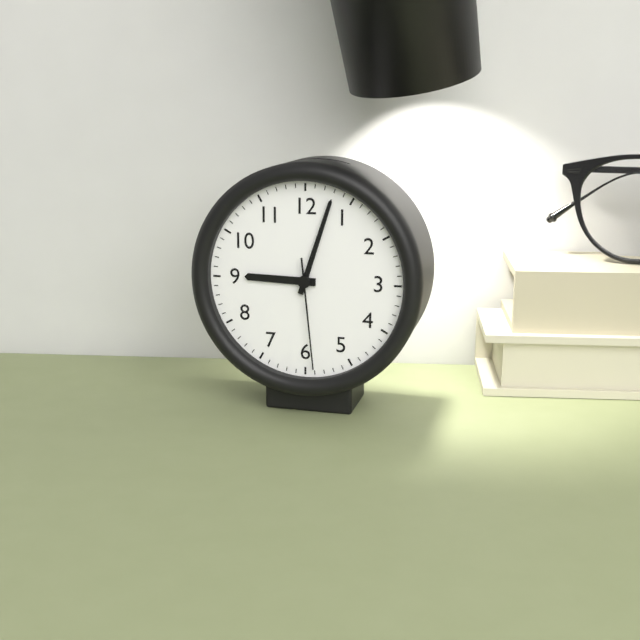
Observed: h=9 m=3 s=29
